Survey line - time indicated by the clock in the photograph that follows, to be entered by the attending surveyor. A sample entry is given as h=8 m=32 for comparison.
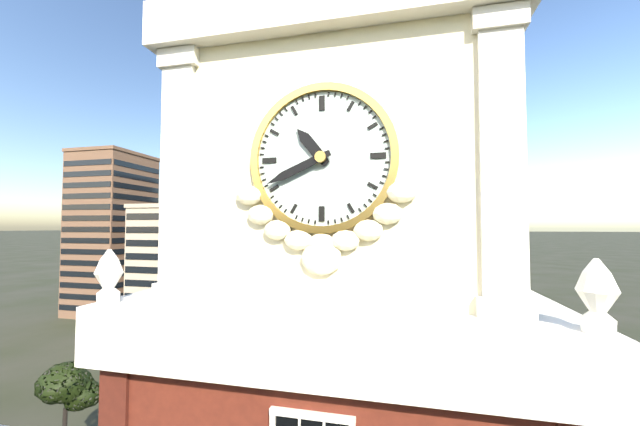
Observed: h=10 m=41
